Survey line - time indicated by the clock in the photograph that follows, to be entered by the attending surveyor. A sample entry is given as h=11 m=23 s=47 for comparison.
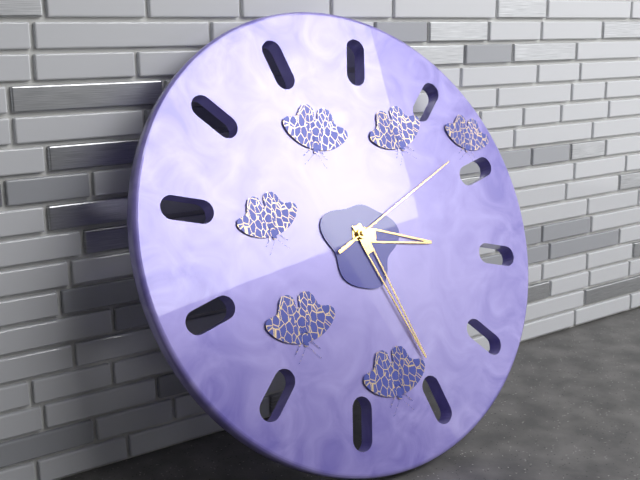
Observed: h=3 m=27 s=11
